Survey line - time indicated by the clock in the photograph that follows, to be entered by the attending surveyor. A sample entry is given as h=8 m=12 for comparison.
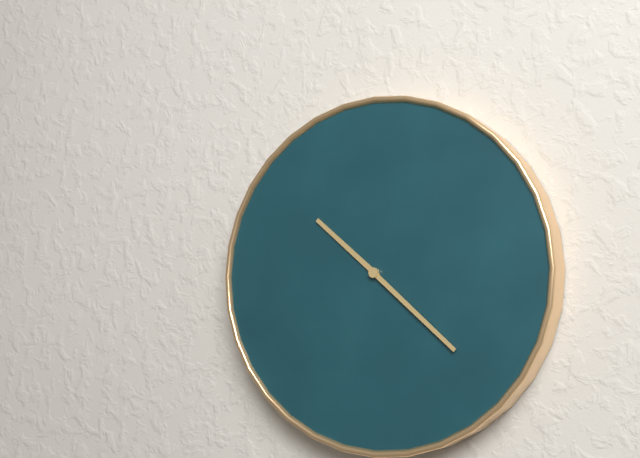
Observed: h=10 m=22
